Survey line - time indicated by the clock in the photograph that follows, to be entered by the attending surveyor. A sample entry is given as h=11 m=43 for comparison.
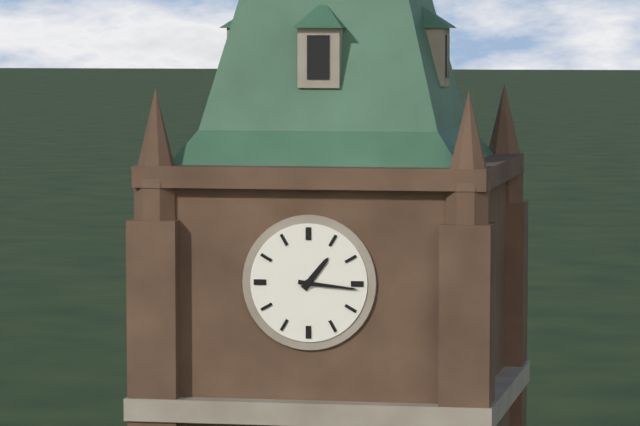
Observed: h=1 m=16
